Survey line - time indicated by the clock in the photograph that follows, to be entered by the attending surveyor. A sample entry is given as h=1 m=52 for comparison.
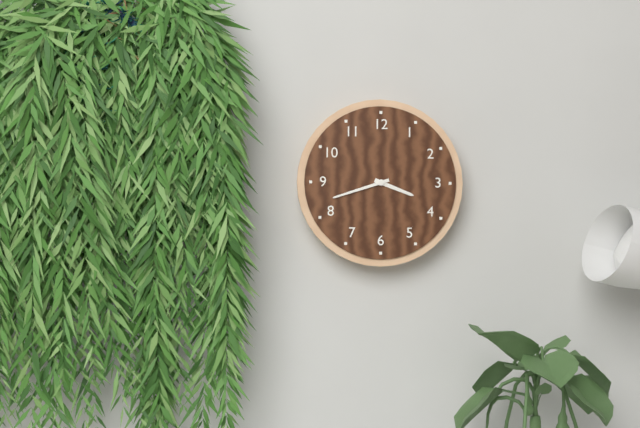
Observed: h=3 m=42
